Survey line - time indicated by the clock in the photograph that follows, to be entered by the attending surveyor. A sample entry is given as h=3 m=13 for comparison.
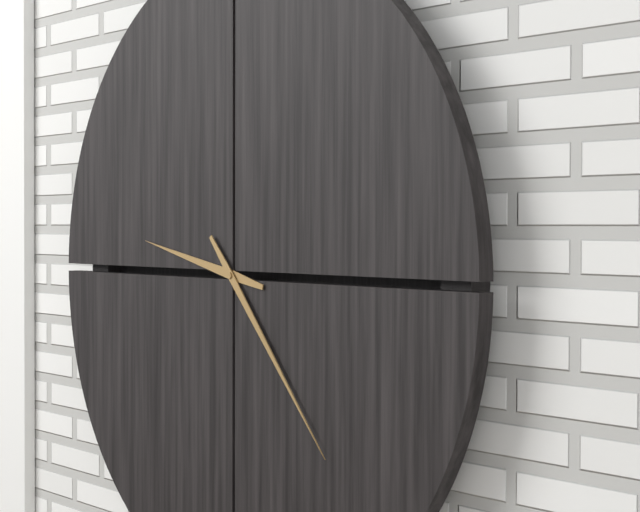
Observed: h=9 m=23
